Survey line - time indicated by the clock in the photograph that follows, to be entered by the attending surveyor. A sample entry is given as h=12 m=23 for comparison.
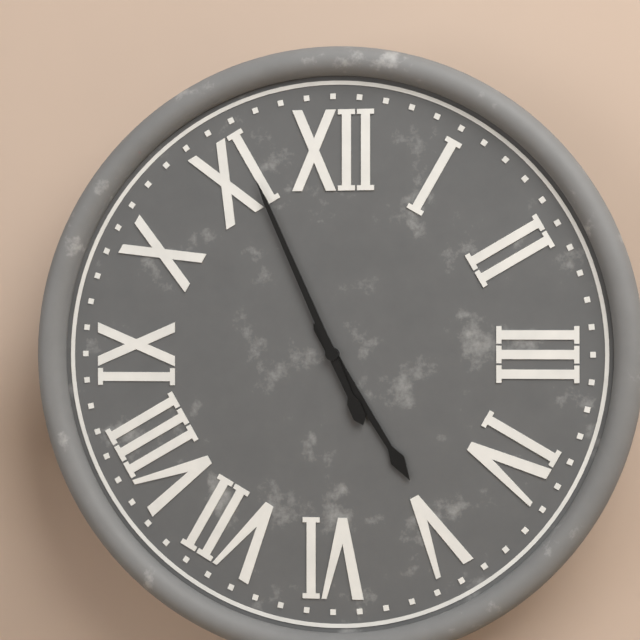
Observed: h=4 m=56
